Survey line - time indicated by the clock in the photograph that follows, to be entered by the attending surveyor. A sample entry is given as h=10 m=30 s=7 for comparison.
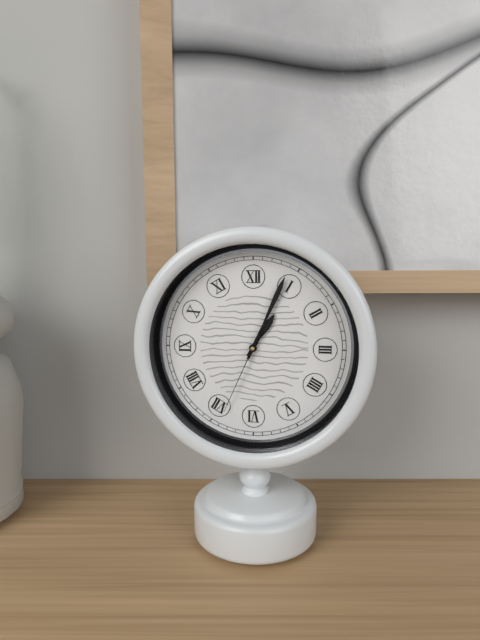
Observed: h=1 m=4 s=34
